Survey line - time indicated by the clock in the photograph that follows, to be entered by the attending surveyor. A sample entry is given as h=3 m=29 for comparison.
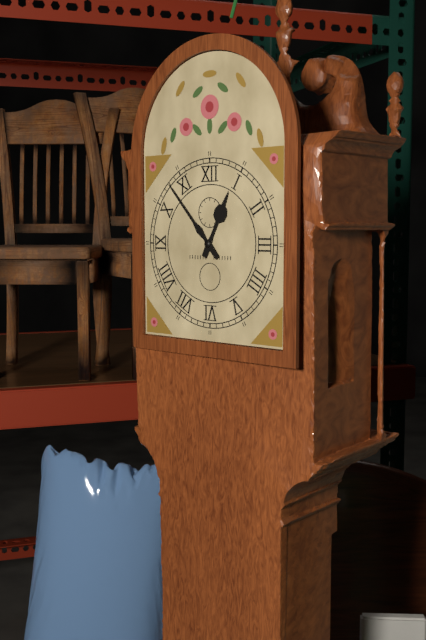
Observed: h=12 m=53
